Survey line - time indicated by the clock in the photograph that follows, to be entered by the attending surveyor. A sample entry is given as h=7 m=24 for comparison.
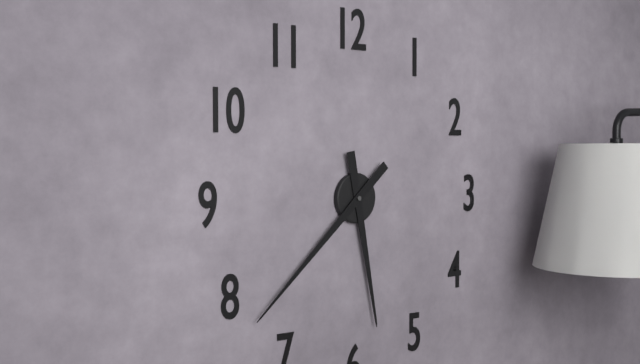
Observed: h=5 m=38
